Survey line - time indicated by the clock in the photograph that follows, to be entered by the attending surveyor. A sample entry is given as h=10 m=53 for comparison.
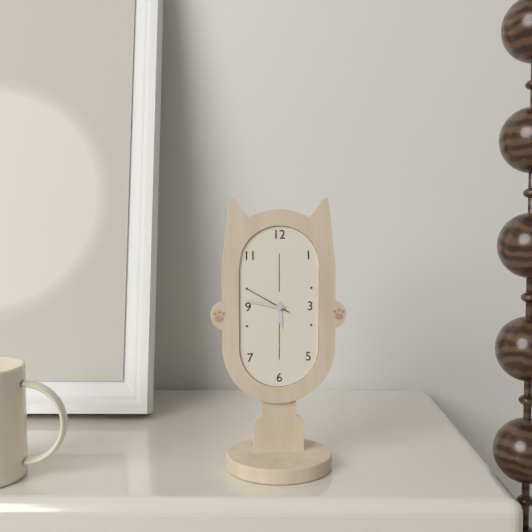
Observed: h=5 m=47
